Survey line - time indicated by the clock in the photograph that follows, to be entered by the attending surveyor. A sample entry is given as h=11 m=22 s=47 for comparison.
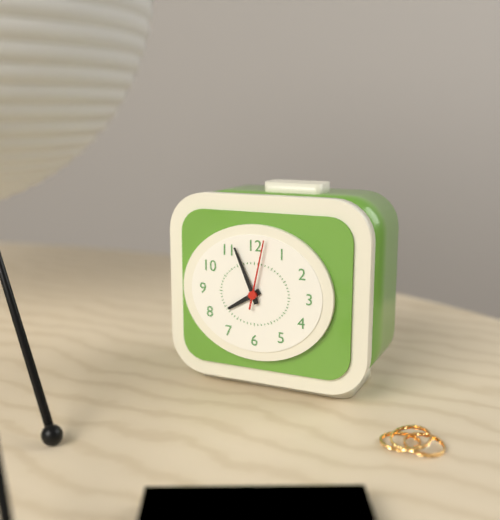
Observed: h=7 m=56 s=2
